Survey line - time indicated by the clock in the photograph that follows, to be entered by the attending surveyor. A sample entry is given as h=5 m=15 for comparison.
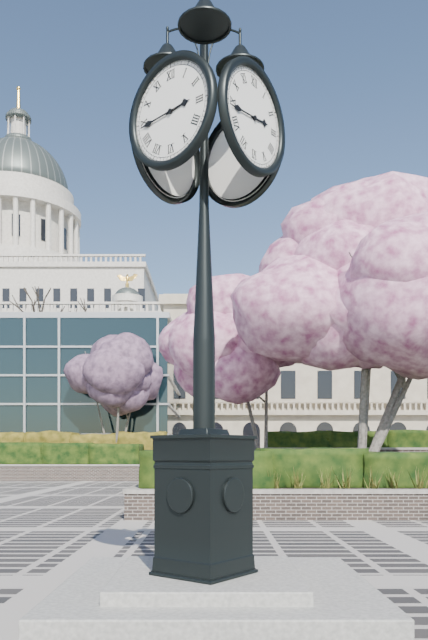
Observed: h=2 m=44
